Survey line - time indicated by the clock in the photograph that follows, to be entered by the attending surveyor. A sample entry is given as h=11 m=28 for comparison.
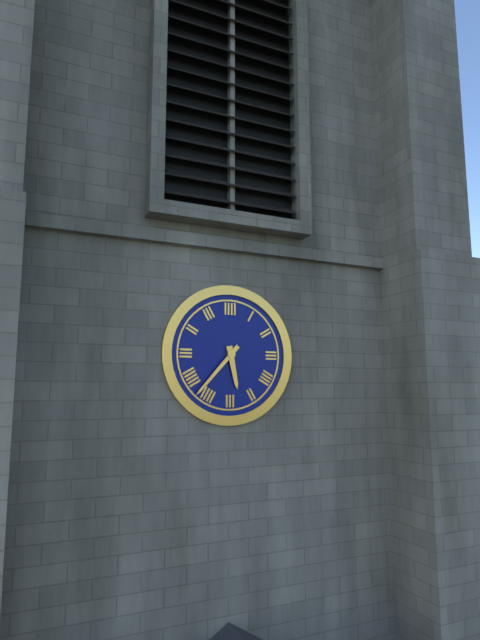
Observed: h=5 m=37
